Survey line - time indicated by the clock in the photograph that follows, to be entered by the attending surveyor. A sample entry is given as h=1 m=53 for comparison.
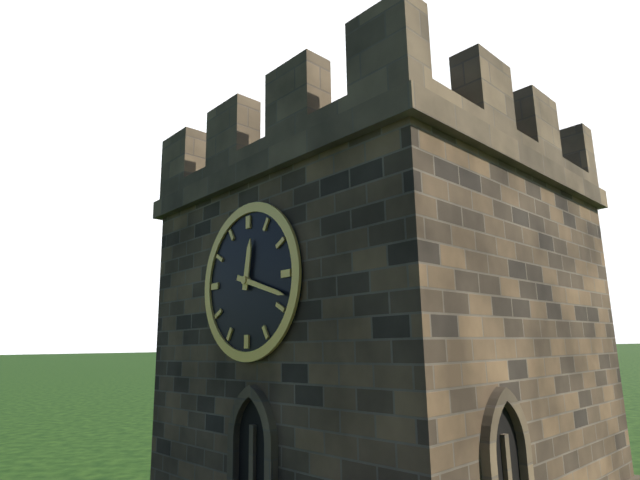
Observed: h=12 m=18
